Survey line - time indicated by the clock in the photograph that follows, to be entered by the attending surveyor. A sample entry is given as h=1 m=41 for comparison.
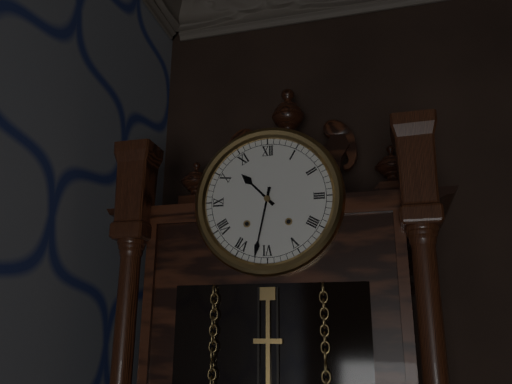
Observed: h=10 m=32
